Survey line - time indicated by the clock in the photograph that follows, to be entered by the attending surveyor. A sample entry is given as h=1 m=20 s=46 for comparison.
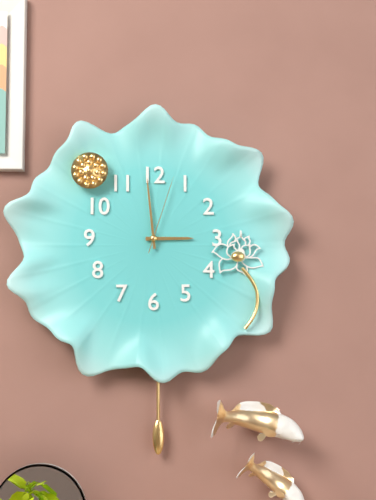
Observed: h=2 m=59 s=3
